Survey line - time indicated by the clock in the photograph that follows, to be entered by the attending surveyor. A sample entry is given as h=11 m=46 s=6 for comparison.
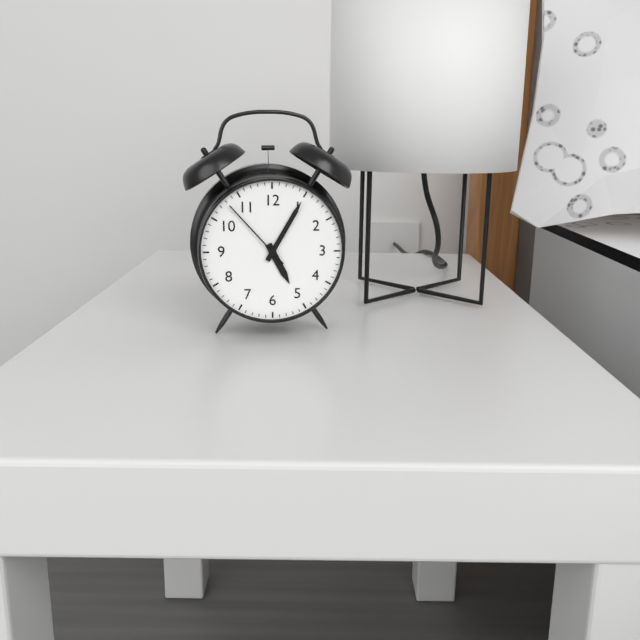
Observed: h=5 m=5 s=53
